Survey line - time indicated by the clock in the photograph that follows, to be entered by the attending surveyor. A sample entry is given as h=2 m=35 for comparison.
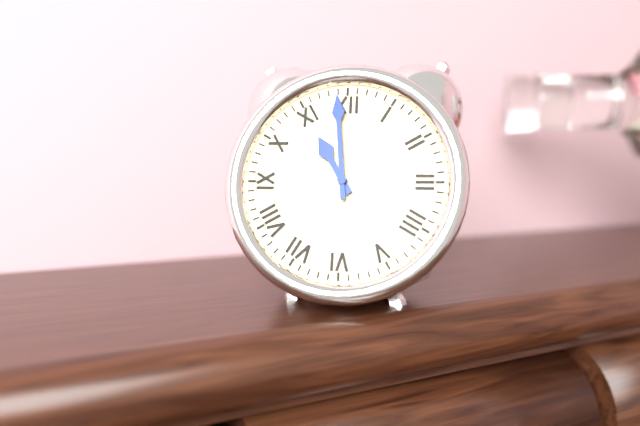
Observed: h=10 m=59
